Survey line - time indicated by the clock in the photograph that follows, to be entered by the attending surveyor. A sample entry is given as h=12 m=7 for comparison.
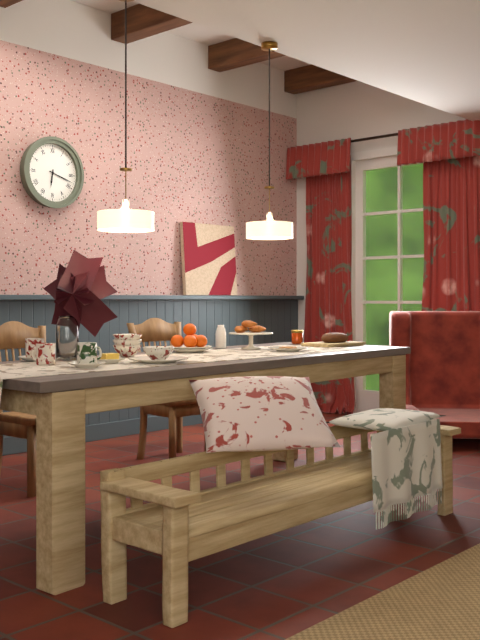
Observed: h=6 m=18
